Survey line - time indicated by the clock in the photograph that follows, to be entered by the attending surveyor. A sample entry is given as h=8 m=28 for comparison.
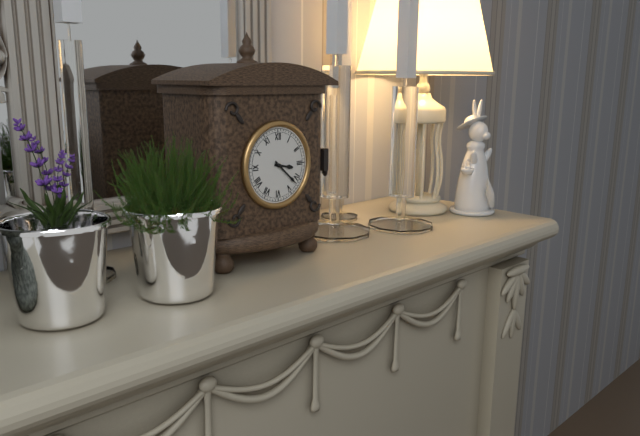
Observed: h=3 m=22
